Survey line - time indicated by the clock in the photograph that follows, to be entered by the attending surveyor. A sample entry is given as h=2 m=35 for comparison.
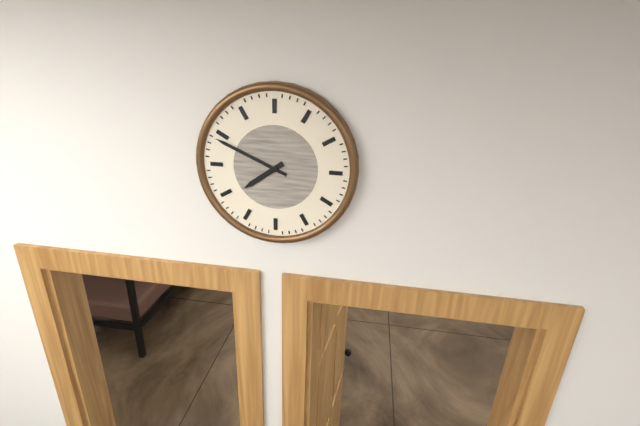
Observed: h=7 m=49
